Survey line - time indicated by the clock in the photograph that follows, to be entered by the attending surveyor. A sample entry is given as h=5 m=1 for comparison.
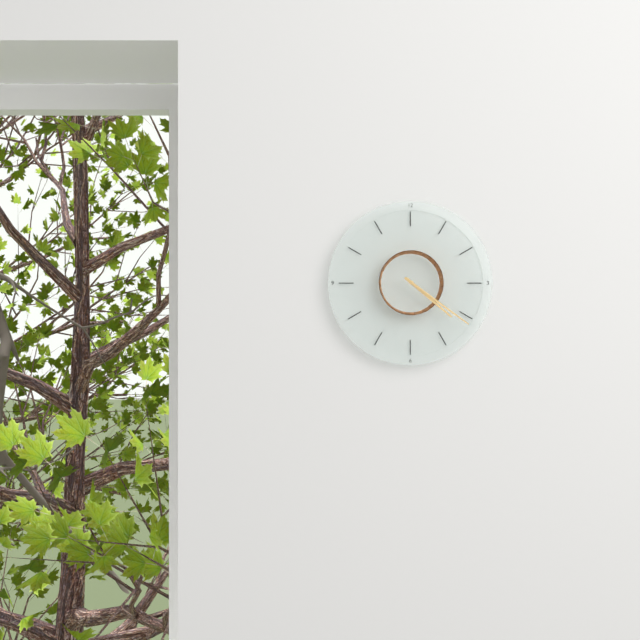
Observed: h=4 m=21
